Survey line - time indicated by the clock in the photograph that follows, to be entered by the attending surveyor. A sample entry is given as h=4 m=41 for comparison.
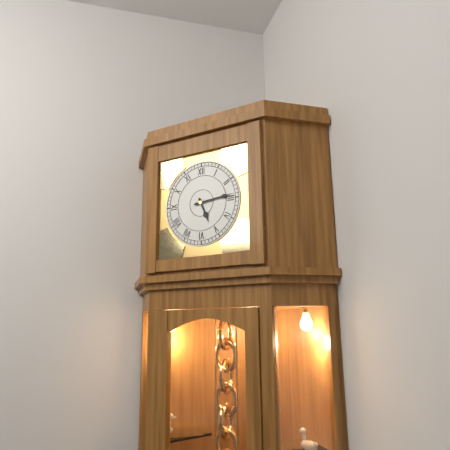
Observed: h=5 m=14
